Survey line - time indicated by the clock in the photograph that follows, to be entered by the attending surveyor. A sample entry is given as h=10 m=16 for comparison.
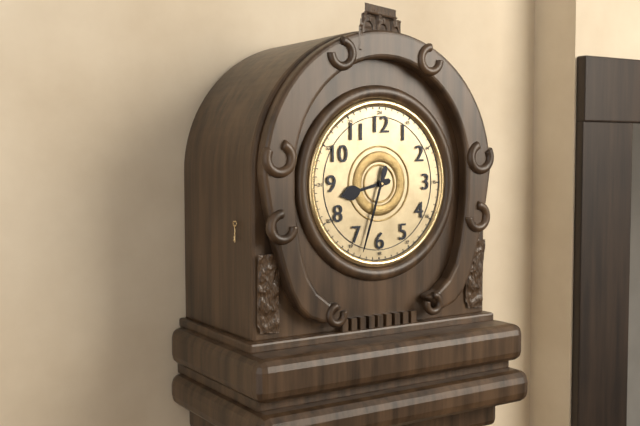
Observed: h=8 m=33
